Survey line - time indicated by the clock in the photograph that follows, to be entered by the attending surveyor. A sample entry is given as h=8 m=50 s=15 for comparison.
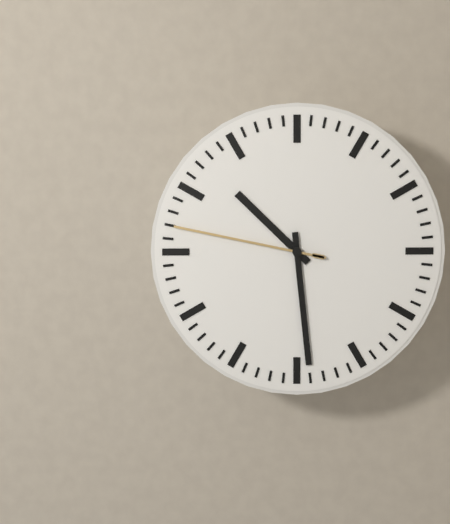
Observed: h=10 m=29 s=47
